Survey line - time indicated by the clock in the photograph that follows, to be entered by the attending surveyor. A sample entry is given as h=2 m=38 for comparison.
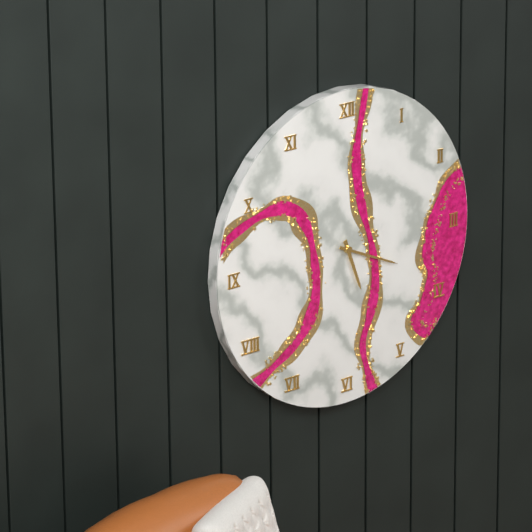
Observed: h=5 m=19
